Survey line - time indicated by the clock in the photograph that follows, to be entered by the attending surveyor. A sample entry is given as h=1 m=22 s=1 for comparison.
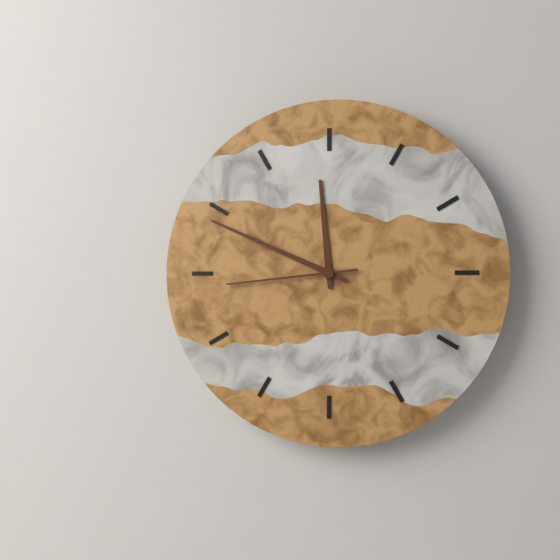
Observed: h=11 m=49 s=44
